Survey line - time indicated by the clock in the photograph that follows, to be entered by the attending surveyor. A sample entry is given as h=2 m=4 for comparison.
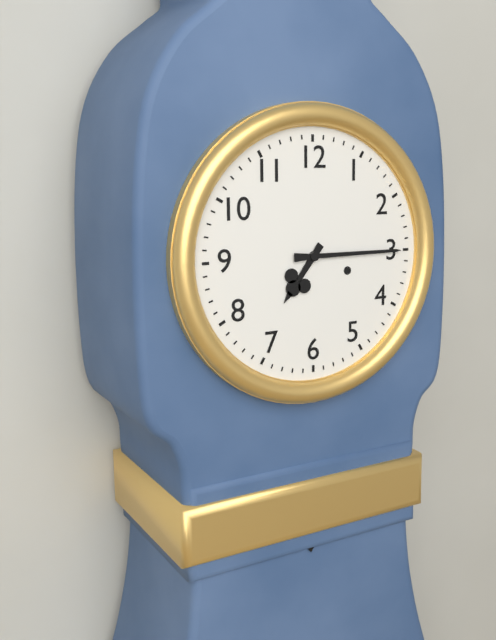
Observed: h=7 m=15
